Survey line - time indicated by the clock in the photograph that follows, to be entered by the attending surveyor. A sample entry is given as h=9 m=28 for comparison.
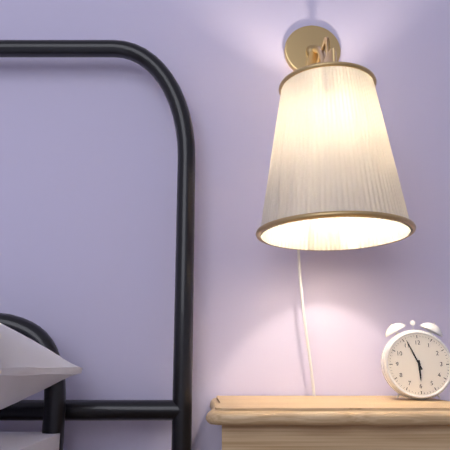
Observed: h=5 m=56
